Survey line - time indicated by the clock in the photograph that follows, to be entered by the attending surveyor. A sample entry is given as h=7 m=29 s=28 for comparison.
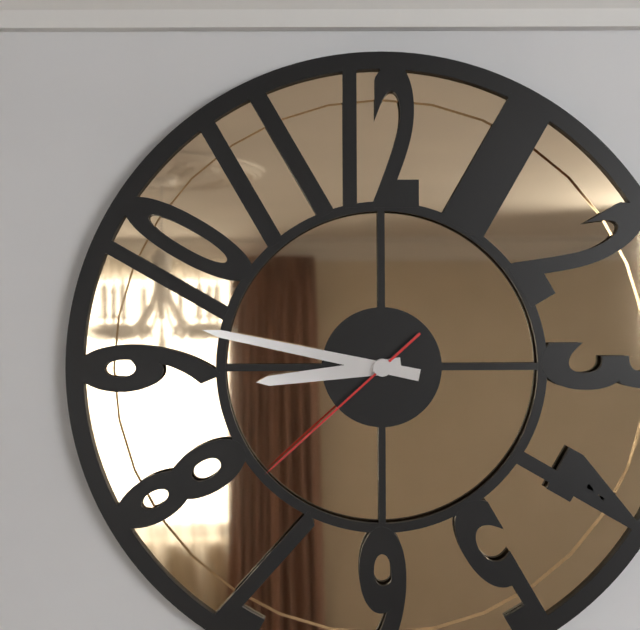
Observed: h=8 m=47 s=38
